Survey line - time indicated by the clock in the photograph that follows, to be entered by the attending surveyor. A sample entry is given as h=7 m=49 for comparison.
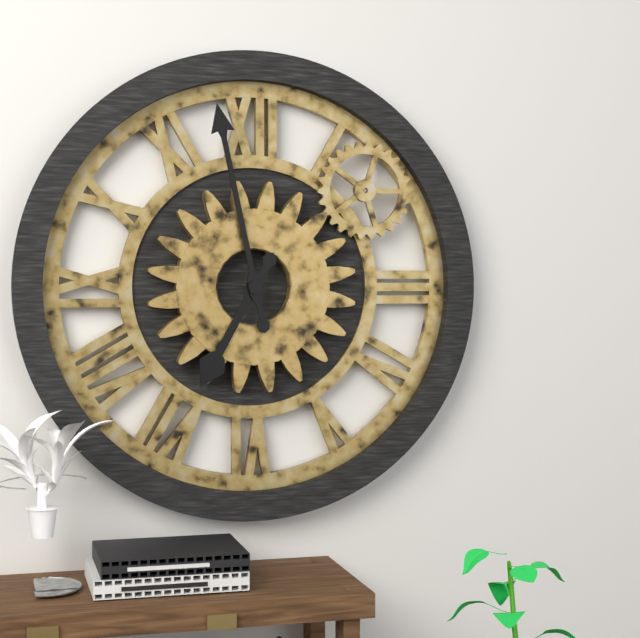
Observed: h=6 m=58
